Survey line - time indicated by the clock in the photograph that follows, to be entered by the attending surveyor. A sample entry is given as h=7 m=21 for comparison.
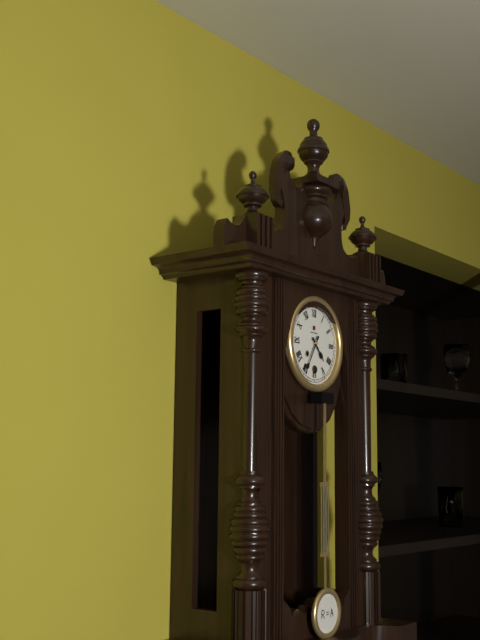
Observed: h=4 m=35
